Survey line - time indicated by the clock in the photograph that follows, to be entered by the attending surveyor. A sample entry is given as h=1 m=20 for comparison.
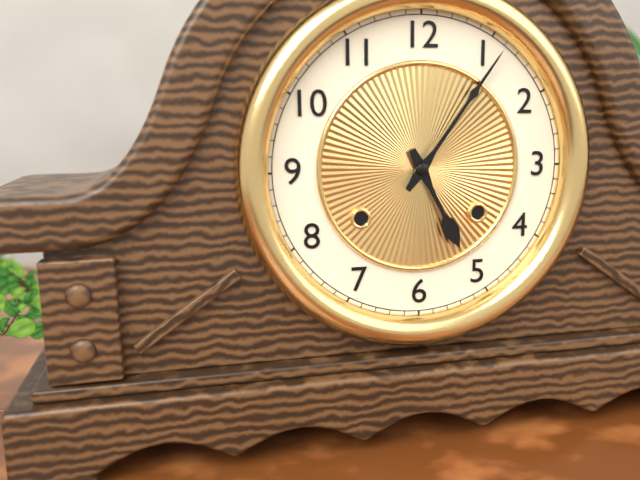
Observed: h=5 m=6
